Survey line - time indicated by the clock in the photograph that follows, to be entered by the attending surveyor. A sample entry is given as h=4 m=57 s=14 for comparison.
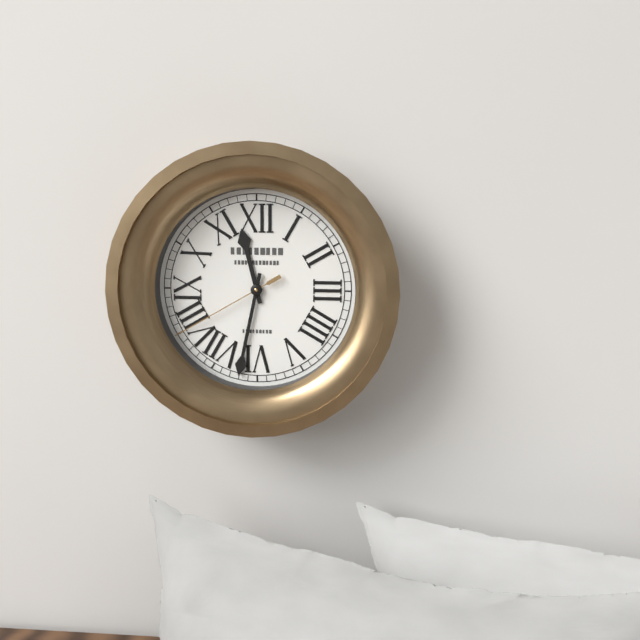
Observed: h=11 m=32 s=40
